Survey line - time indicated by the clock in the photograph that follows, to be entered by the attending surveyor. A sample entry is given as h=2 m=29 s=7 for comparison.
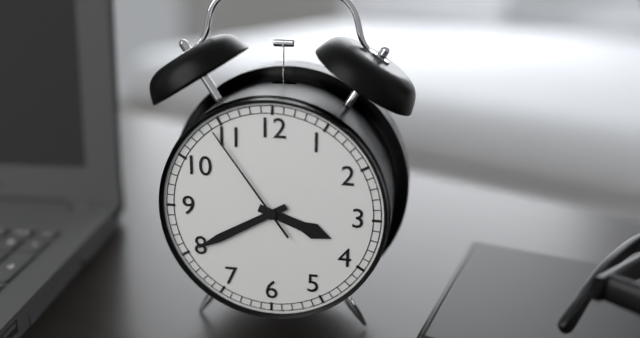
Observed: h=3 m=40 s=54
